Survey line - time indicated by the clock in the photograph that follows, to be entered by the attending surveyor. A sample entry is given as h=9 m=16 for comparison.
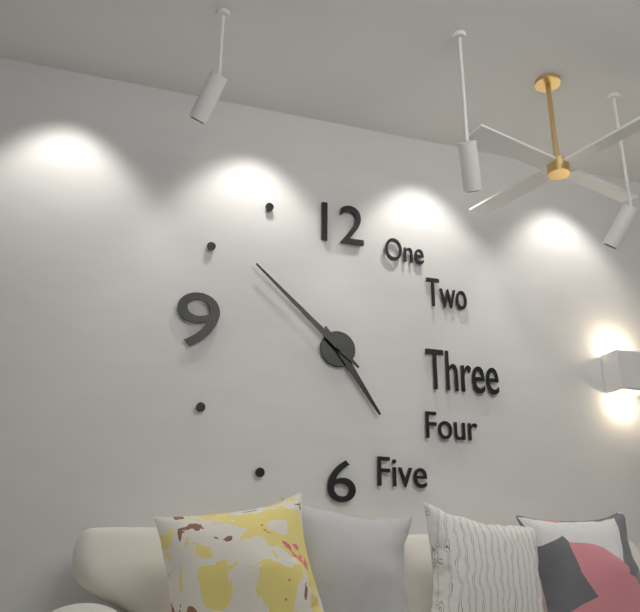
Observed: h=4 m=52
